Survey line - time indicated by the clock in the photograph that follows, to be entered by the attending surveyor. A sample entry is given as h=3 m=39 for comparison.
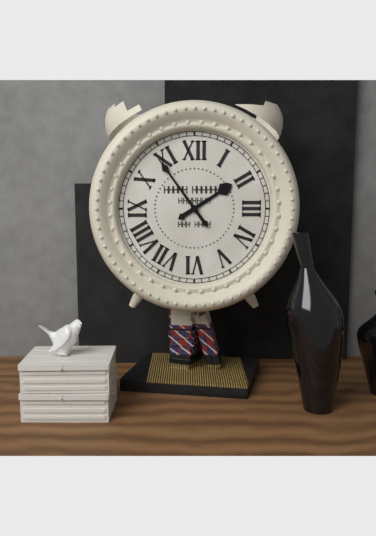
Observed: h=1 m=54
